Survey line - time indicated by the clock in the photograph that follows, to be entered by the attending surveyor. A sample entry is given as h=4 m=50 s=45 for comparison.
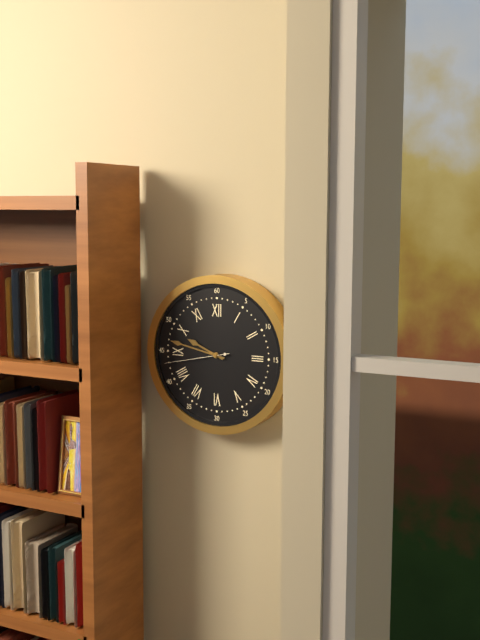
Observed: h=9 m=47 s=43
